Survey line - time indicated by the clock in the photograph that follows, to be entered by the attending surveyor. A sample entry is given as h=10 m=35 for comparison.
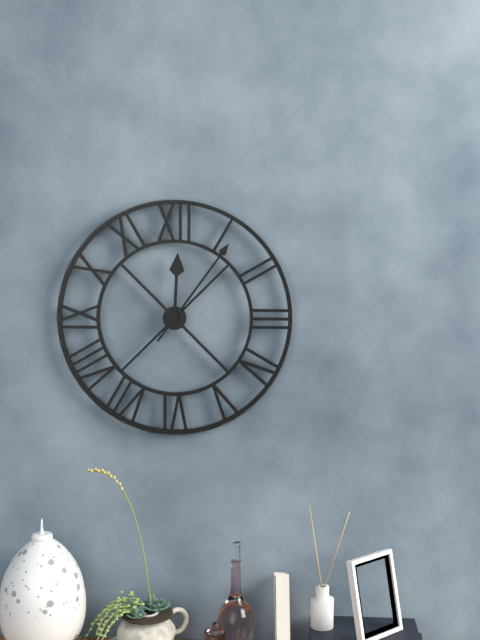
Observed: h=12 m=6
